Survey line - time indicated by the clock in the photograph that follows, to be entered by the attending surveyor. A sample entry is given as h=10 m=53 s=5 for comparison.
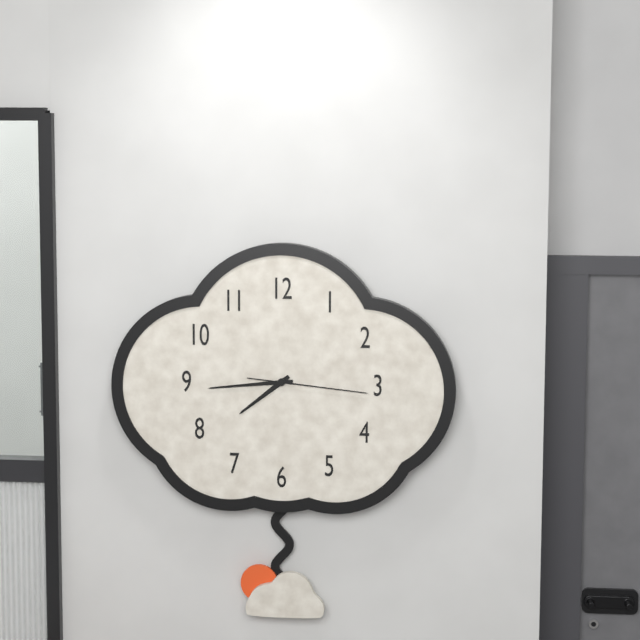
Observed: h=7 m=44 s=16
